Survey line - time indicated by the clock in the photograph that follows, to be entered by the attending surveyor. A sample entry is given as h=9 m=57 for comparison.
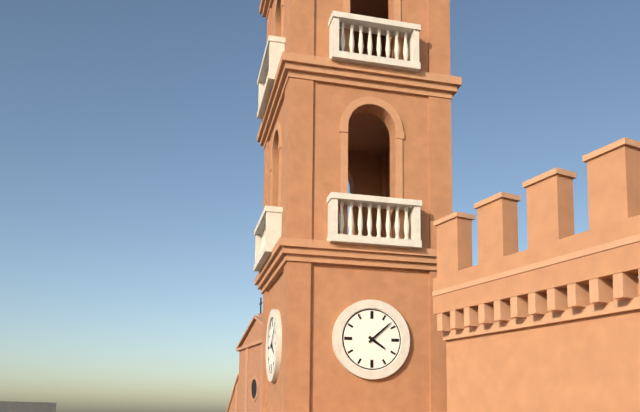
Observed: h=4 m=8
